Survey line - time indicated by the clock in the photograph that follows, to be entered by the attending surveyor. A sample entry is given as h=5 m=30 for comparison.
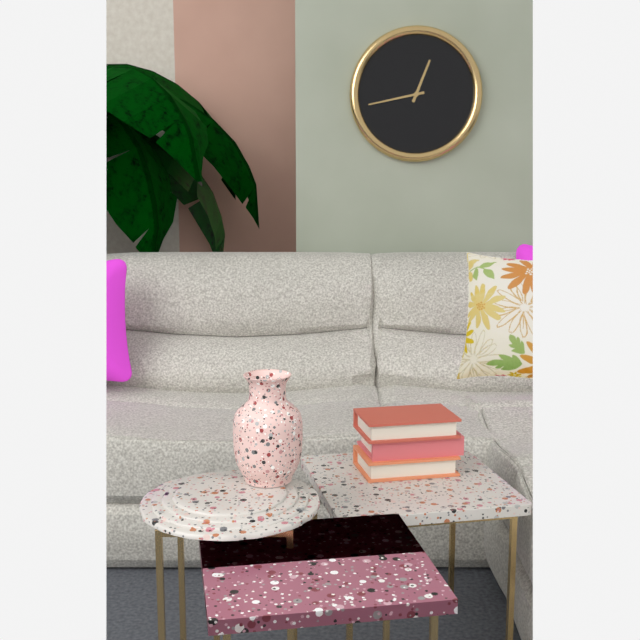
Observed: h=12 m=43
